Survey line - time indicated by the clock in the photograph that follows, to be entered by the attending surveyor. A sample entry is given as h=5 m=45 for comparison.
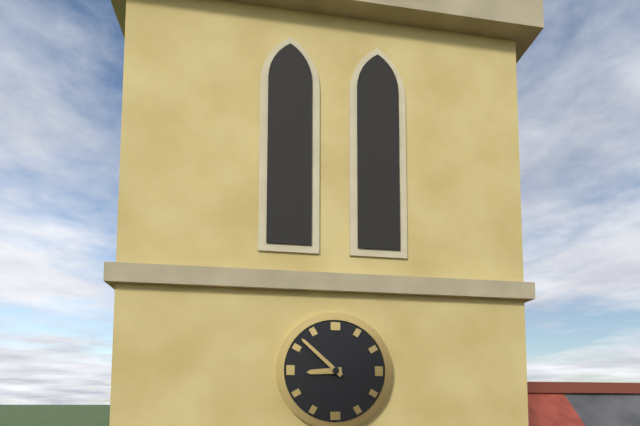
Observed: h=8 m=52
